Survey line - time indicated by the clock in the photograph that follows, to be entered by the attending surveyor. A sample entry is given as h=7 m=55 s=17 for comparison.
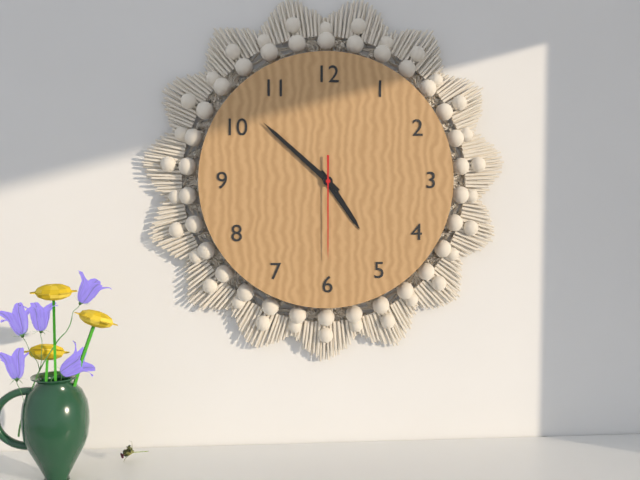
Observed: h=4 m=52 s=30
